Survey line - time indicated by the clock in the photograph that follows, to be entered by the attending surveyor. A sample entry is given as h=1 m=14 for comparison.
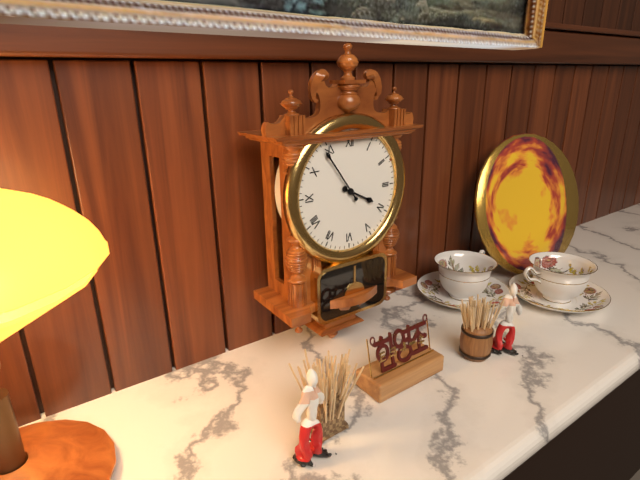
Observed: h=3 m=54
